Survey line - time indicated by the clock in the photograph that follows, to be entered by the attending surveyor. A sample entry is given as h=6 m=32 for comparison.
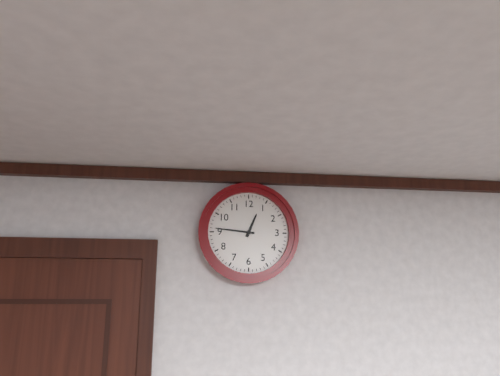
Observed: h=12 m=46
